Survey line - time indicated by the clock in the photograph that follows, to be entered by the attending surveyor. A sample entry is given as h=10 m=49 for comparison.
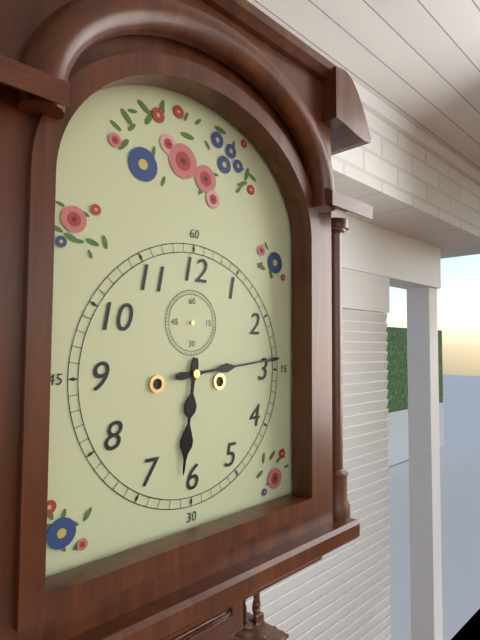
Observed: h=6 m=14
